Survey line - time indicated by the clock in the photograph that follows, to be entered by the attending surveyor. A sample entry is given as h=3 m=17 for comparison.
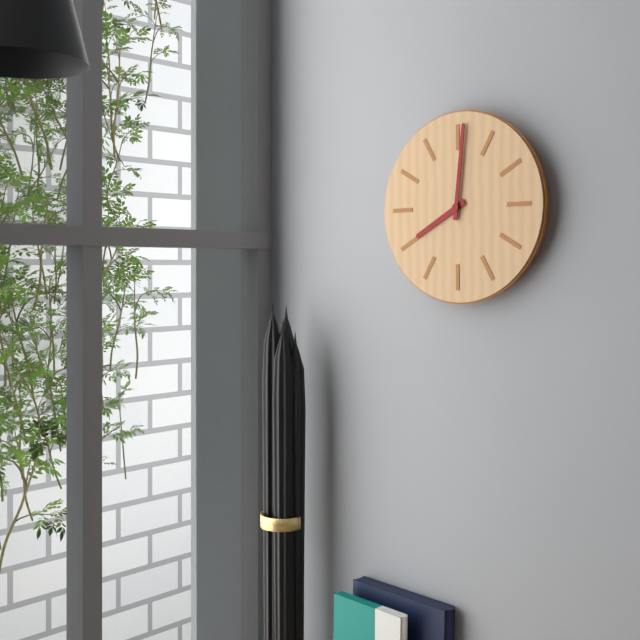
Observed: h=8 m=1
